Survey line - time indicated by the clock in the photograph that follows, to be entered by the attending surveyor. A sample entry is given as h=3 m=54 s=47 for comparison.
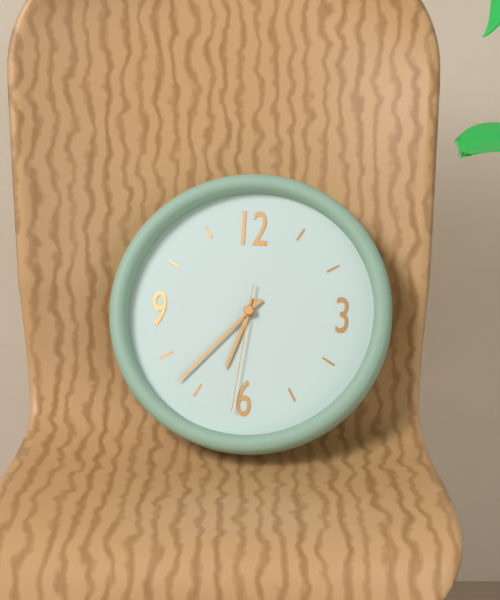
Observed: h=6 m=37 s=31
